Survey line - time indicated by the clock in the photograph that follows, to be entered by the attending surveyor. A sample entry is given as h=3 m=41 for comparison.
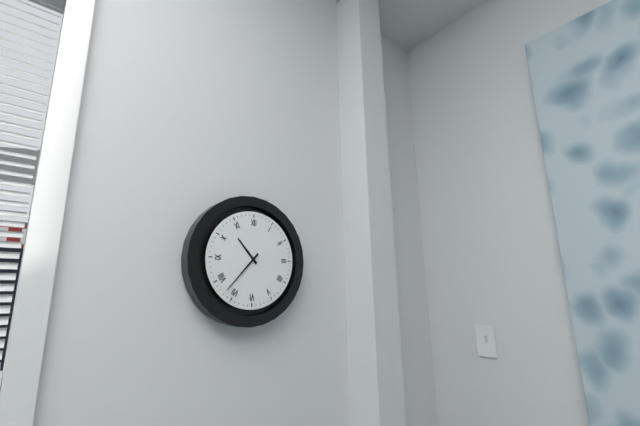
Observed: h=10 m=37
